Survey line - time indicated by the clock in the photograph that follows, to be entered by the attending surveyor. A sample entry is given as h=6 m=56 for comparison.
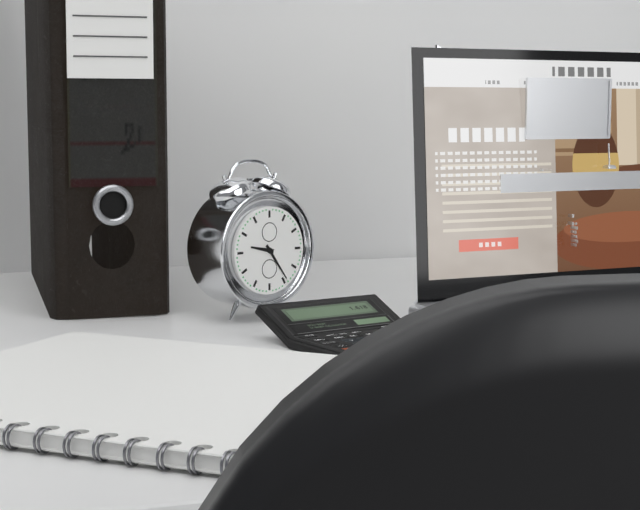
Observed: h=9 m=24
